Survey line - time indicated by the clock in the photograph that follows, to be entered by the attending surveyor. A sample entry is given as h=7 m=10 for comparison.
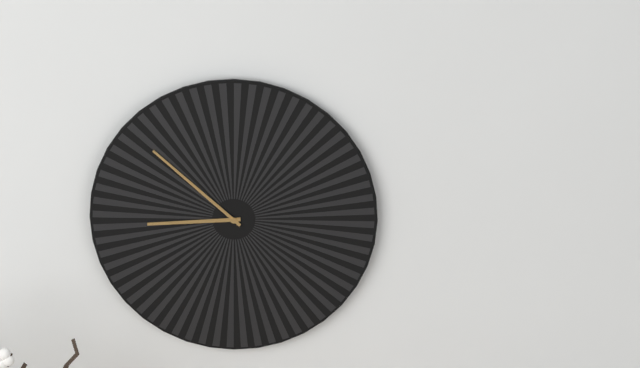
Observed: h=8 m=52
